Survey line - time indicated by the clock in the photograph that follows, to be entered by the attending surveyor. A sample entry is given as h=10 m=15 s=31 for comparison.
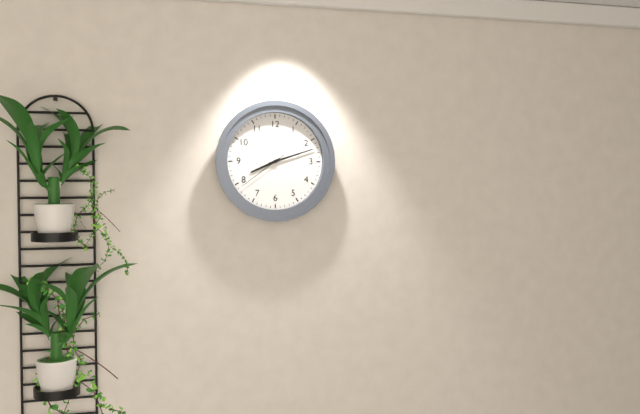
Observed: h=8 m=12 s=39
